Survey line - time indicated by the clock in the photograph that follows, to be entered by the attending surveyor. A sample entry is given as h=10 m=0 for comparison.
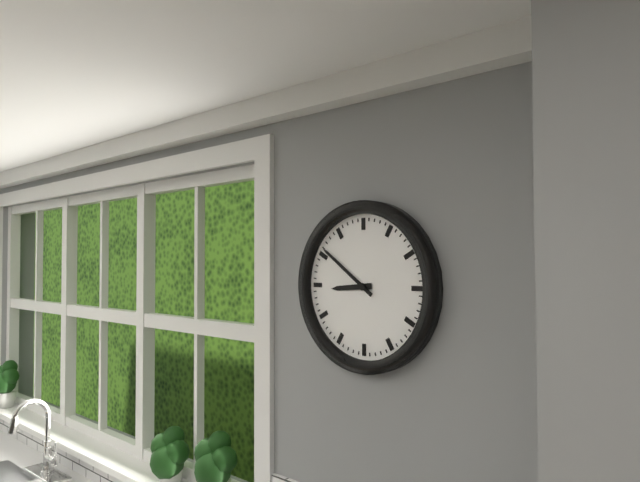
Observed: h=8 m=51
